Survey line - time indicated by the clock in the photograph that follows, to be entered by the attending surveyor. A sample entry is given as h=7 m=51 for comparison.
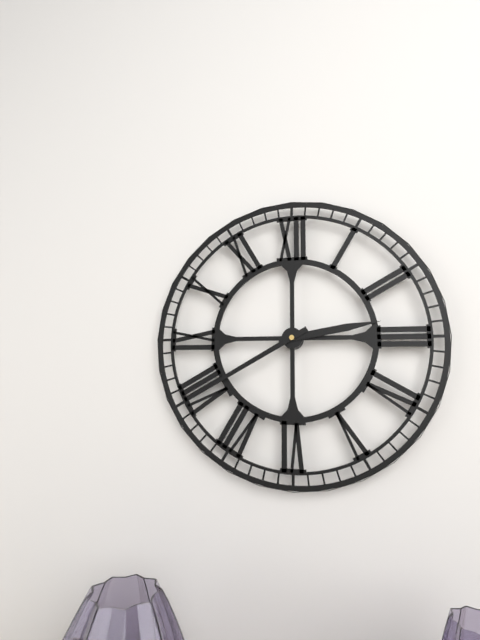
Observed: h=2 m=40
